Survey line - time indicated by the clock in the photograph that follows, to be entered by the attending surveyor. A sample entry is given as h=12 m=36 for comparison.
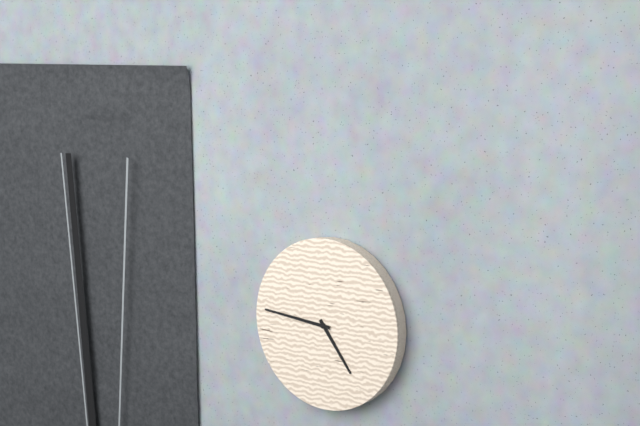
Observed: h=4 m=46
